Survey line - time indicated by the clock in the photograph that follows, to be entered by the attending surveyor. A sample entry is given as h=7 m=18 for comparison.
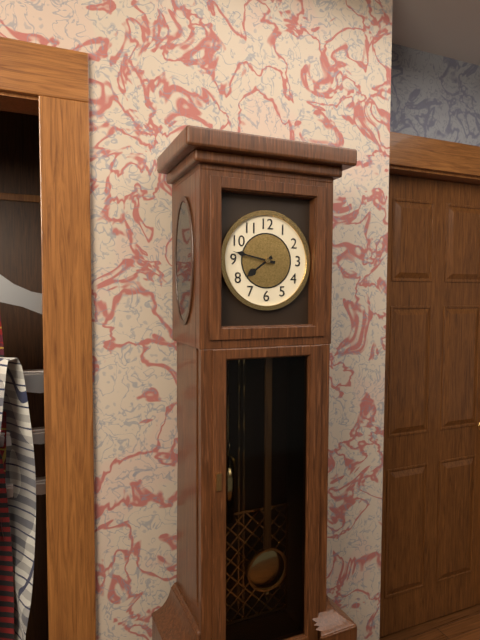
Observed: h=7 m=47
